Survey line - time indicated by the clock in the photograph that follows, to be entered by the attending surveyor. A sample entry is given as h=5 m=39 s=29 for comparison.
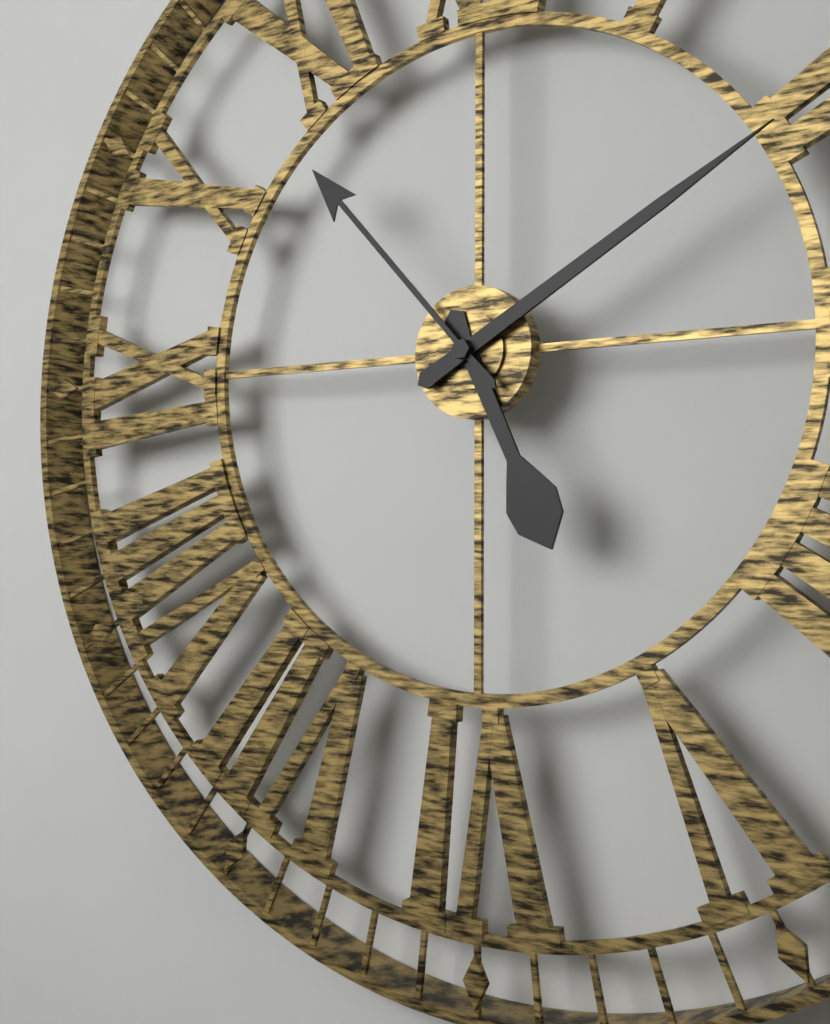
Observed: h=5 m=10 s=53
